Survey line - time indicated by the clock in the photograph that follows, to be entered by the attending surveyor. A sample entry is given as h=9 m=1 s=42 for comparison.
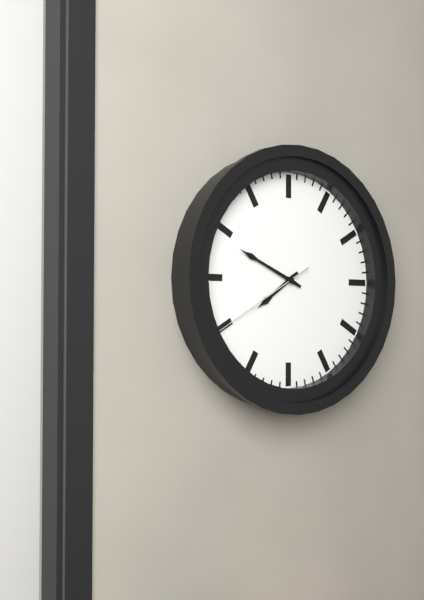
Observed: h=7 m=49 s=40
